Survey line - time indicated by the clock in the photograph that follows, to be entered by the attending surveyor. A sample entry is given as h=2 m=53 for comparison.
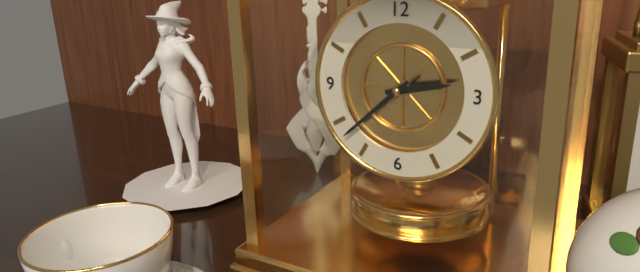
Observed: h=2 m=38
